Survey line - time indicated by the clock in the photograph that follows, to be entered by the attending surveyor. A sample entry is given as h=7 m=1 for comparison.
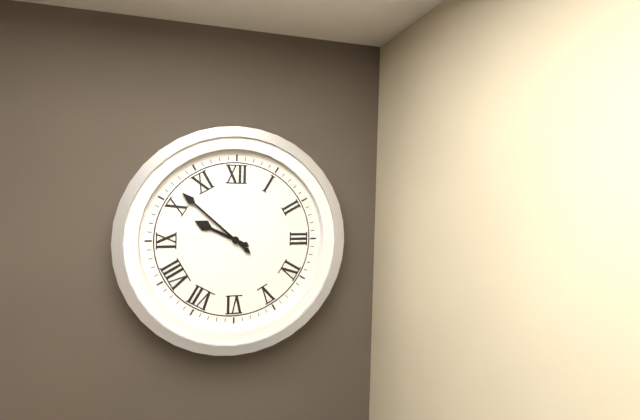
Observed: h=9 m=52
